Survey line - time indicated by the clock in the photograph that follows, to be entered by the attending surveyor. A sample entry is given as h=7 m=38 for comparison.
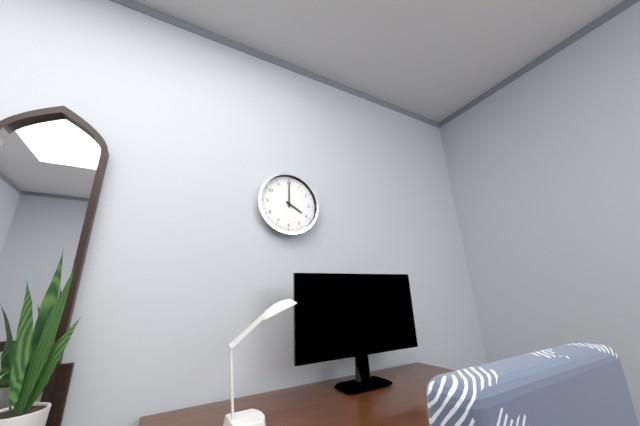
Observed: h=4 m=0
